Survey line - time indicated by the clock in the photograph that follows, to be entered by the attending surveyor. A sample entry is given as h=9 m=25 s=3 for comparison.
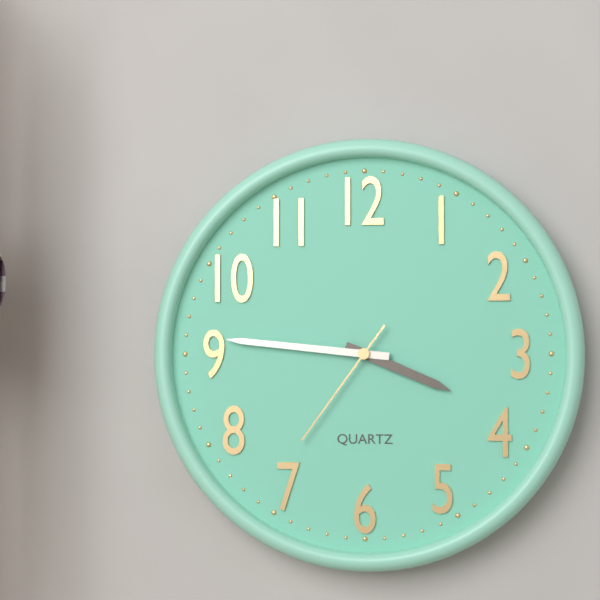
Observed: h=3 m=46 s=36
